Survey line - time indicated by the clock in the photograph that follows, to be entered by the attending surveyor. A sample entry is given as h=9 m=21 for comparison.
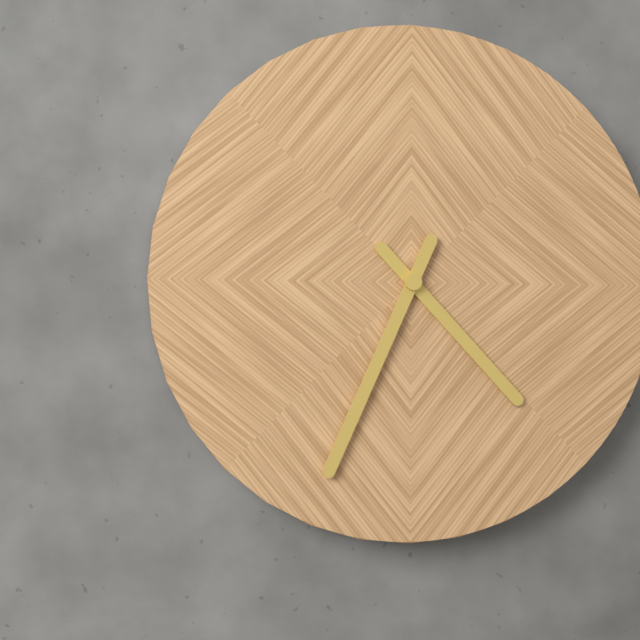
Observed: h=4 m=34
